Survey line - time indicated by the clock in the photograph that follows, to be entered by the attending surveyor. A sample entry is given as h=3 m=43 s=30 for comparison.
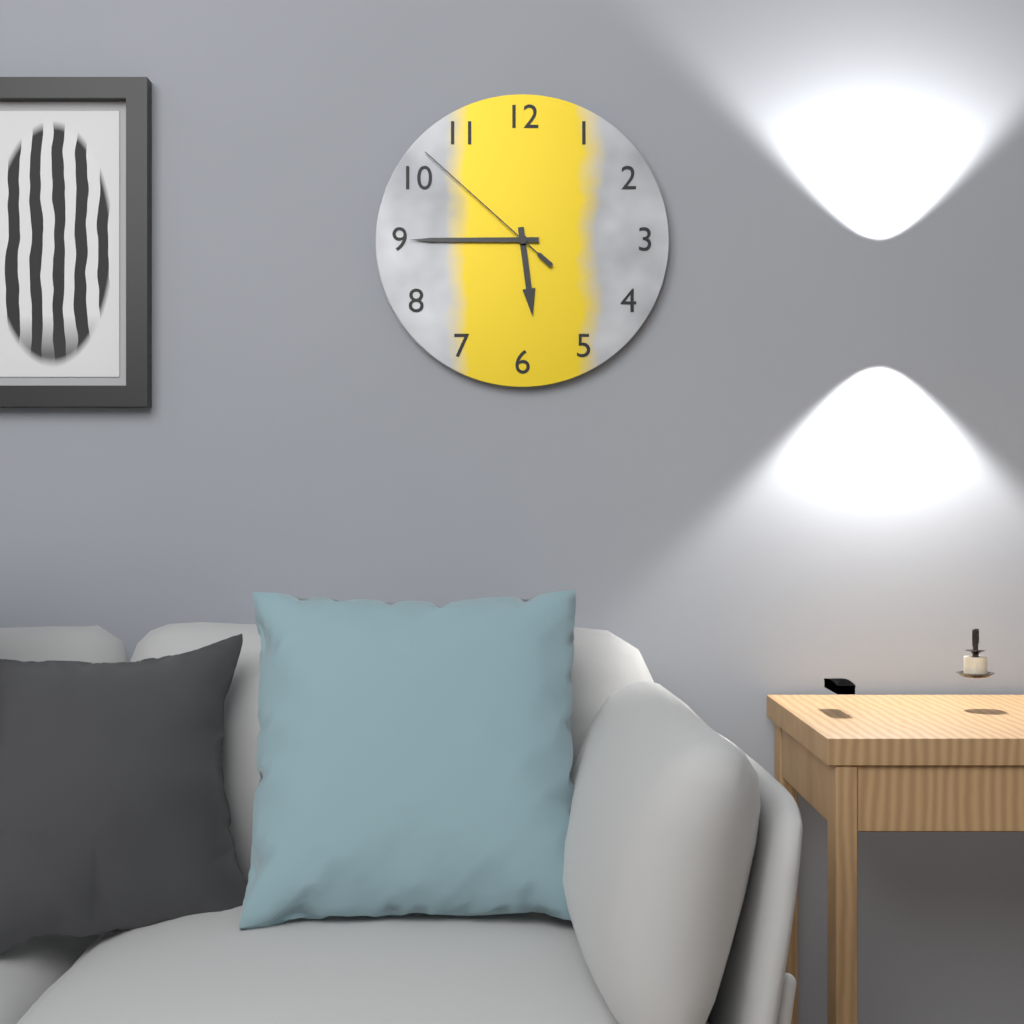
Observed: h=5 m=45 s=52
